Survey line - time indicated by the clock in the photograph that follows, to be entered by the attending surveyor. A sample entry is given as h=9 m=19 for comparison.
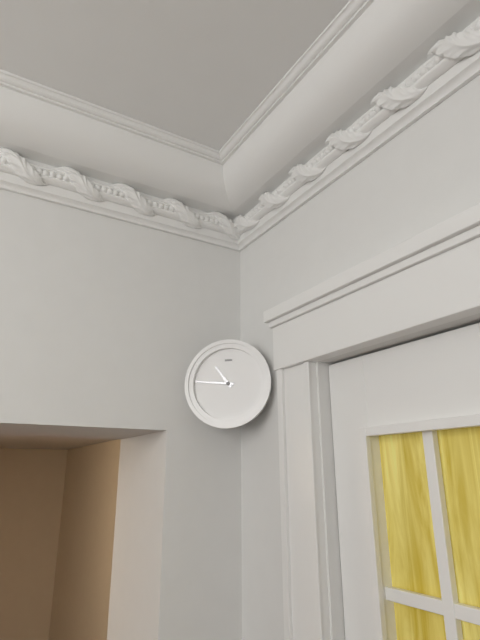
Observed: h=10 m=46
